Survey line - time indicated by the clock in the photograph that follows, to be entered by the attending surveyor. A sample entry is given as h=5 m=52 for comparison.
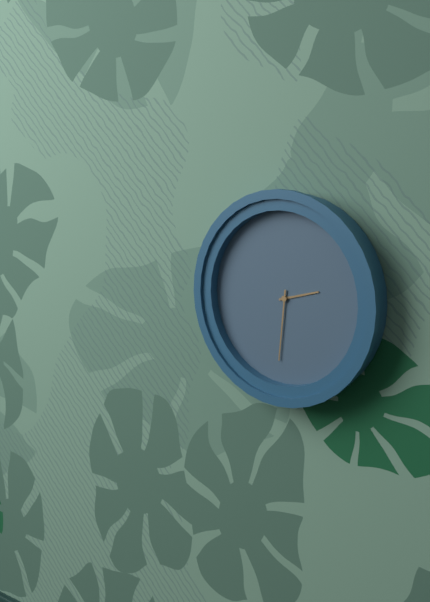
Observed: h=2 m=31
